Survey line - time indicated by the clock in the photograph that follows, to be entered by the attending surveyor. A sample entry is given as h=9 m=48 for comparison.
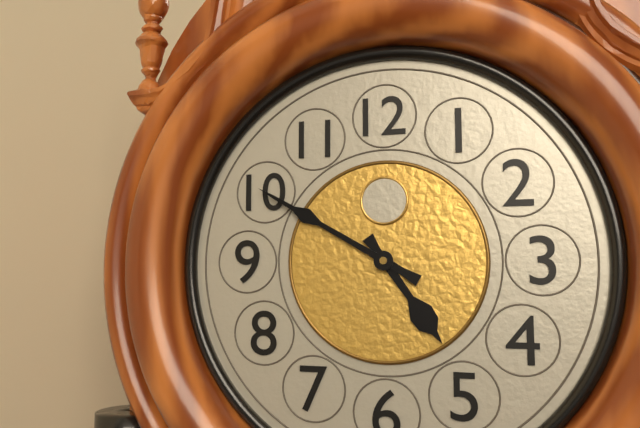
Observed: h=4 m=50
